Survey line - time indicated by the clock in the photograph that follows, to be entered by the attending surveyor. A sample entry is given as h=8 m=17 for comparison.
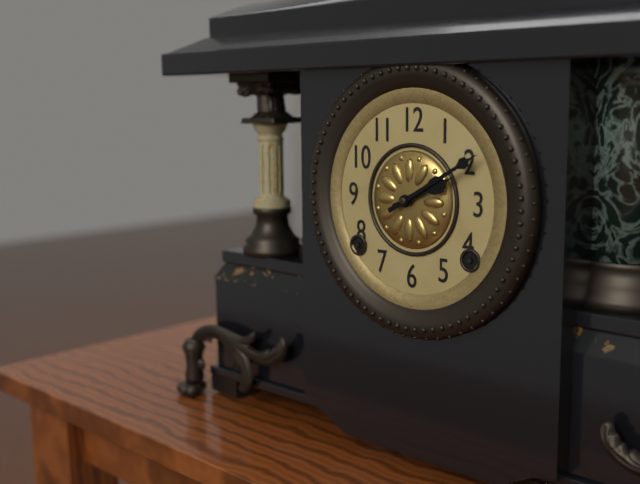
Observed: h=2 m=10
